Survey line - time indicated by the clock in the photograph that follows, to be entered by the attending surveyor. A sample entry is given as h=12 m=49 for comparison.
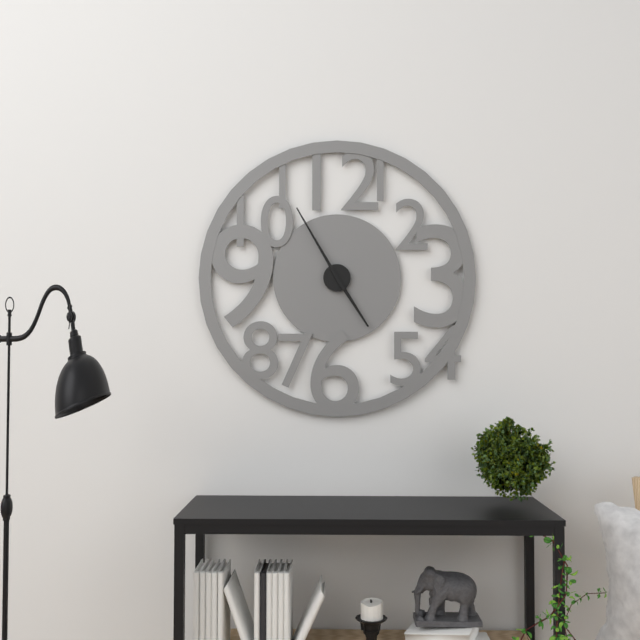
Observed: h=4 m=55
